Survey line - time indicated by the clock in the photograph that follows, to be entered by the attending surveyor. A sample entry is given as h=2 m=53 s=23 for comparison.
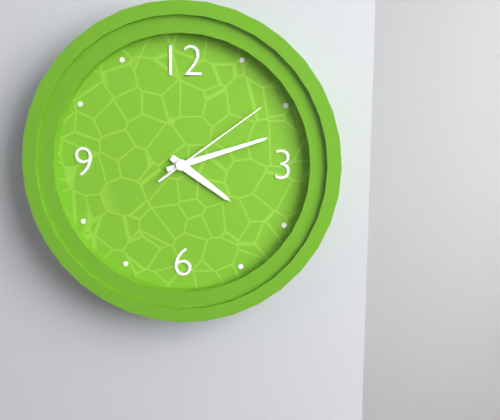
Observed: h=4 m=12 s=9
